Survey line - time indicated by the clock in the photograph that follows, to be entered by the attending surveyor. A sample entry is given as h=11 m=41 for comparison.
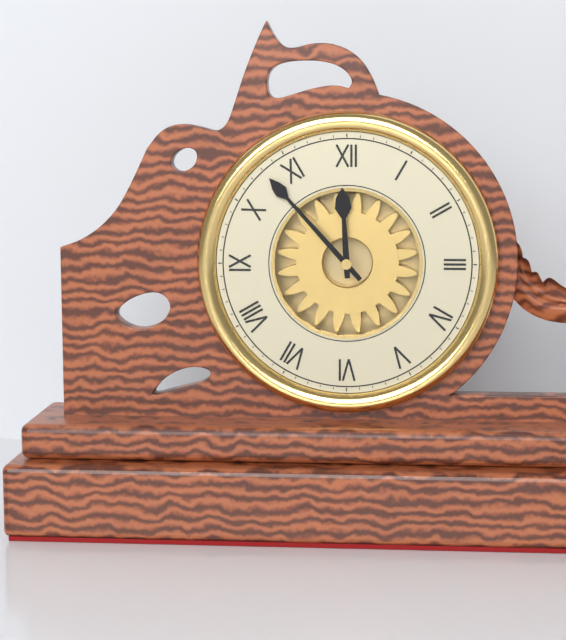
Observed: h=11 m=53
